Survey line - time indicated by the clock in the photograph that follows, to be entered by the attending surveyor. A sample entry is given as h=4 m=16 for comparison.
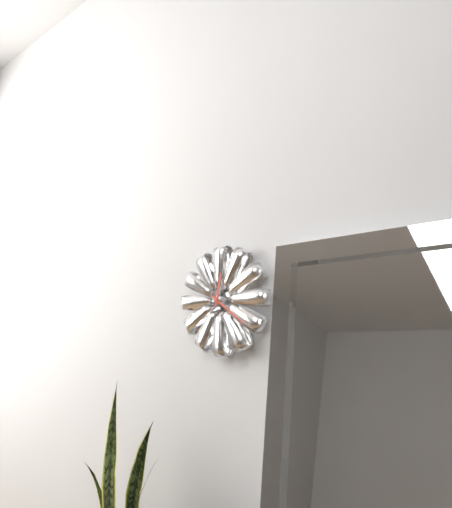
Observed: h=12 m=21
